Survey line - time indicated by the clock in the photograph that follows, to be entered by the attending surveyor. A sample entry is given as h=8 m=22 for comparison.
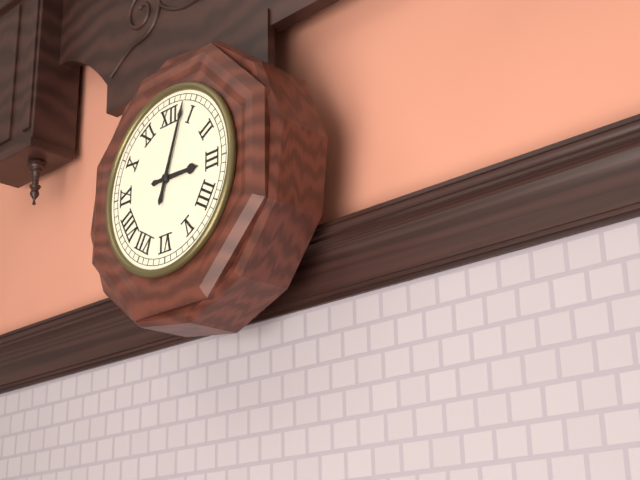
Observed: h=3 m=3
